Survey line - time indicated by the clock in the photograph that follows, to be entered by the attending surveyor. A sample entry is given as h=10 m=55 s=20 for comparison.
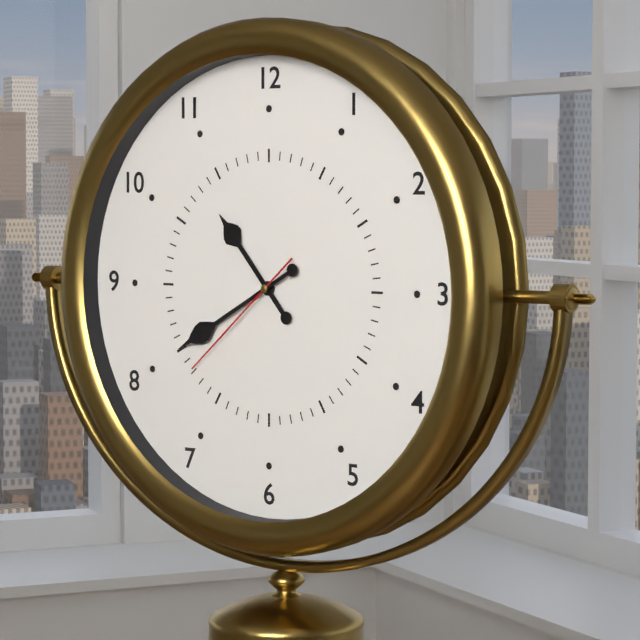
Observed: h=10 m=40 s=38
